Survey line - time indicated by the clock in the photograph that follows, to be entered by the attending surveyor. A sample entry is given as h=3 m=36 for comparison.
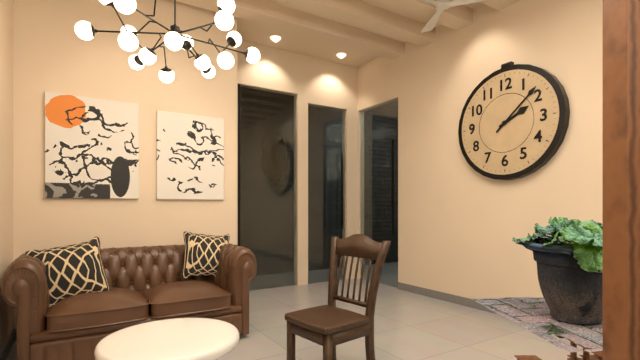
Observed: h=2 m=8
